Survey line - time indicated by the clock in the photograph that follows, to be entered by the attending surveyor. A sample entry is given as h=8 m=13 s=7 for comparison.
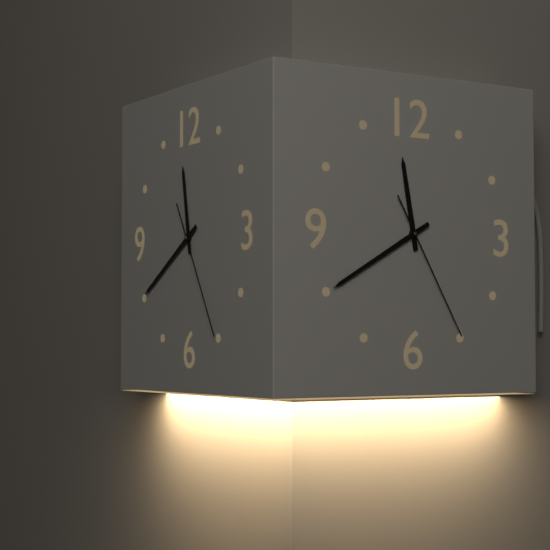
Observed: h=11 m=40 s=25
